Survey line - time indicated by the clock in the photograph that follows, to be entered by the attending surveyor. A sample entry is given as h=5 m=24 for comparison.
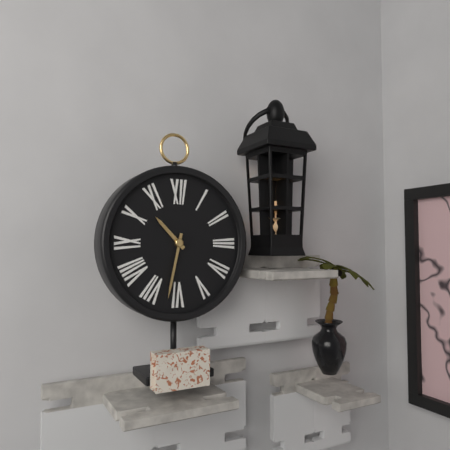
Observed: h=10 m=32
